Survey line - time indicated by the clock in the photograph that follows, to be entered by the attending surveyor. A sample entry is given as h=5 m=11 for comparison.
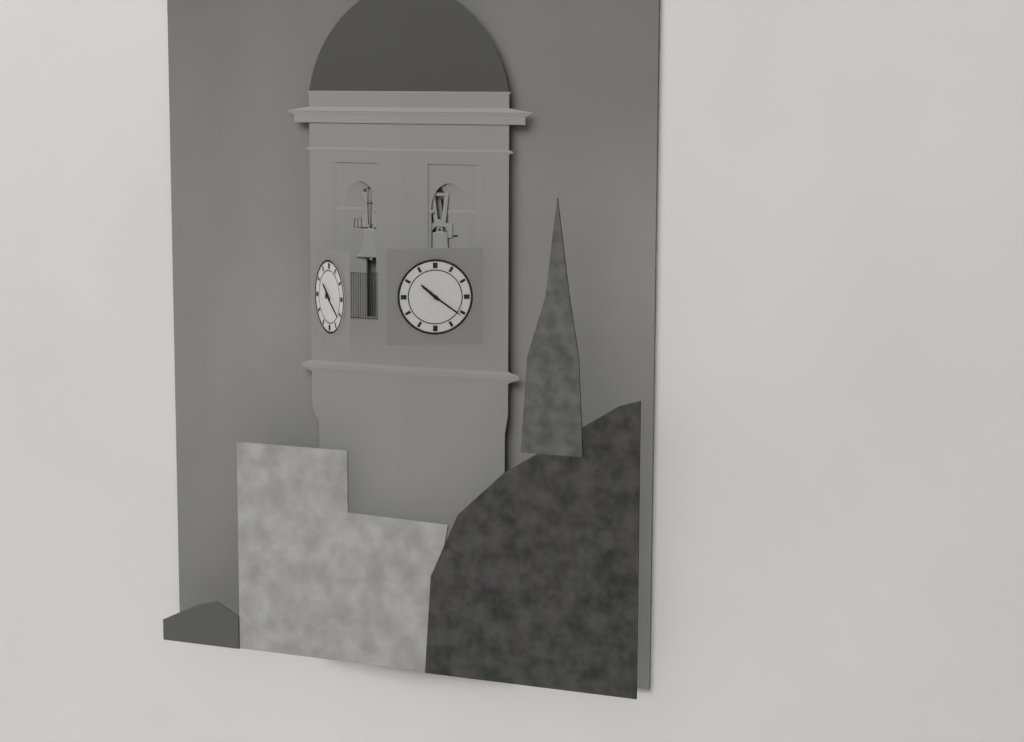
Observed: h=10 m=21
